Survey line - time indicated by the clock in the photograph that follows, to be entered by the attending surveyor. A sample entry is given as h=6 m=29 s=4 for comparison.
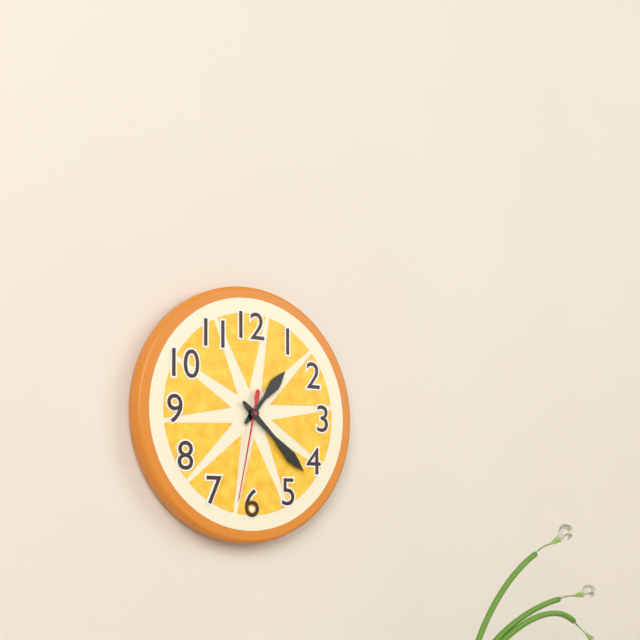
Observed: h=1 m=22 s=32
